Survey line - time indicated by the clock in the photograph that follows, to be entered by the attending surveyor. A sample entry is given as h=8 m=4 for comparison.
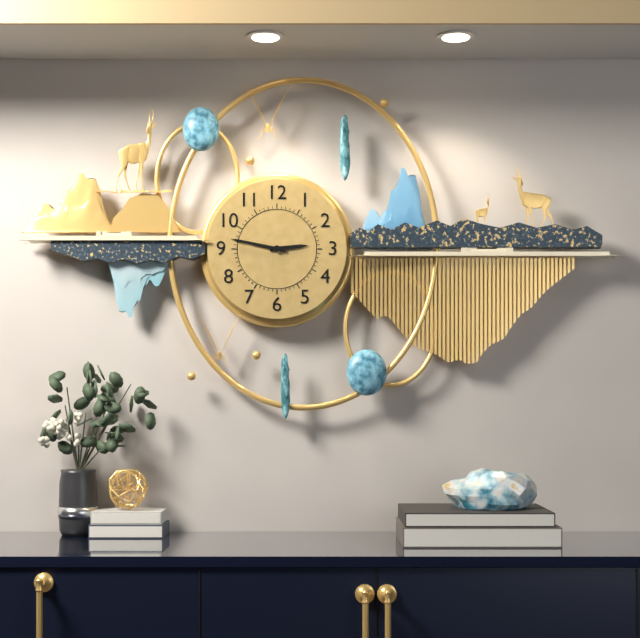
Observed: h=2 m=47
